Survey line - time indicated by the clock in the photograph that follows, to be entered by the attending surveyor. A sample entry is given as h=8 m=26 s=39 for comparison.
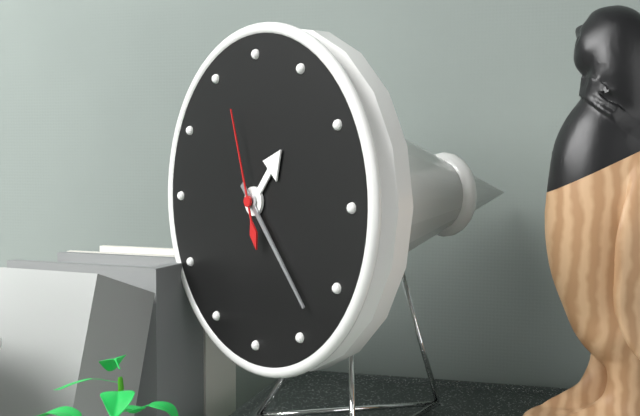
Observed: h=1 m=23 s=57
